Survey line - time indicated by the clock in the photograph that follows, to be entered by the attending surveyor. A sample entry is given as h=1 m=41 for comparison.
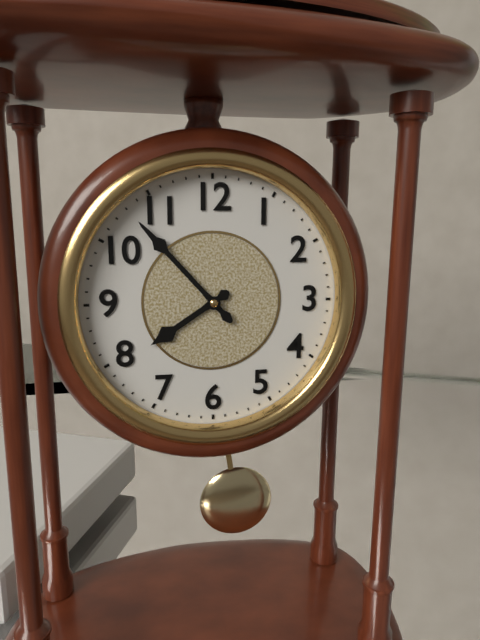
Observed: h=7 m=53
